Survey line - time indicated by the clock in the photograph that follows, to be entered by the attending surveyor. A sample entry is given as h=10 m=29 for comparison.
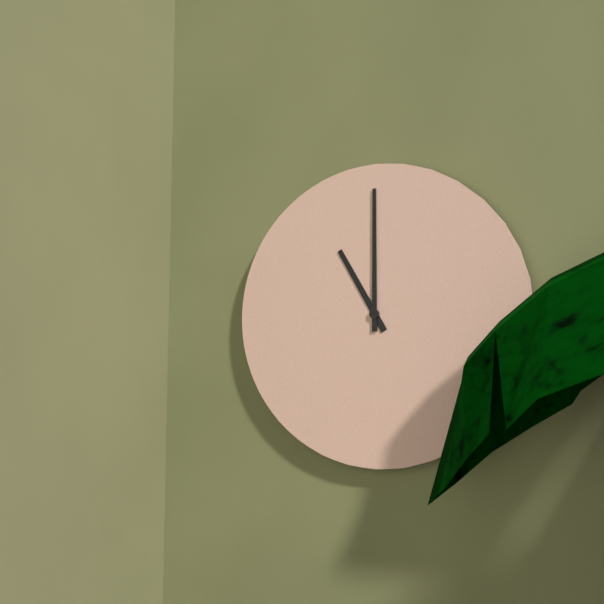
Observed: h=11 m=0
